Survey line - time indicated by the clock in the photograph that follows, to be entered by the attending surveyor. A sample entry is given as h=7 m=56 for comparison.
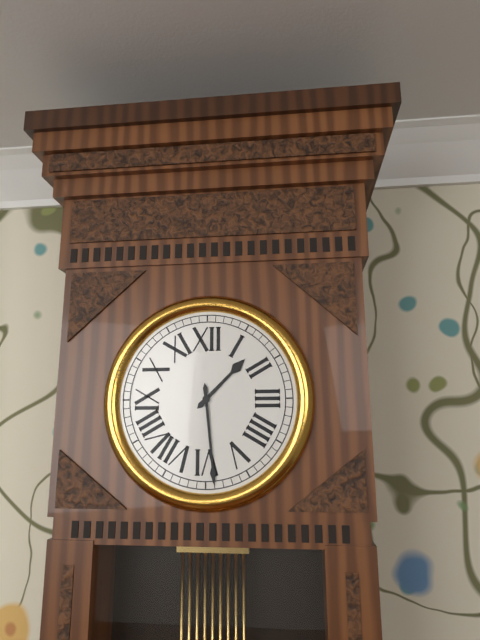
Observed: h=1 m=29
